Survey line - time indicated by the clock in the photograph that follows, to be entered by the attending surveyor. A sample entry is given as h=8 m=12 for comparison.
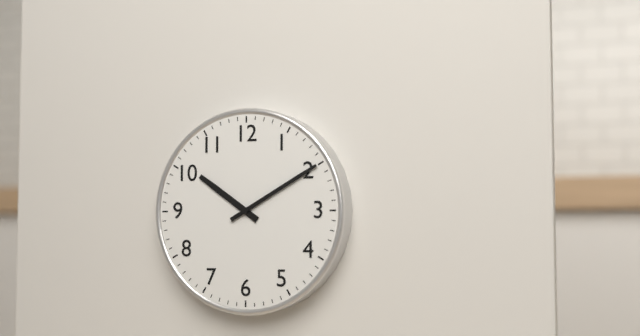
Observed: h=10 m=10
